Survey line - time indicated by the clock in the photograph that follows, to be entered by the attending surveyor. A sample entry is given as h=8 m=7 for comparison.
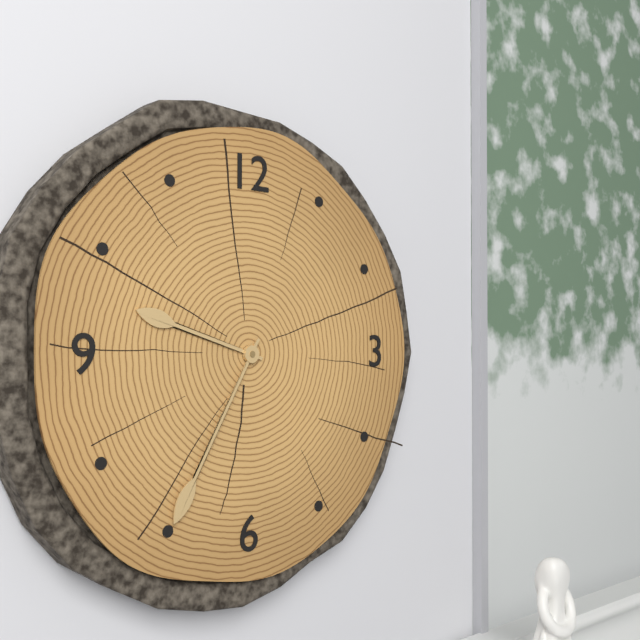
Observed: h=9 m=35
